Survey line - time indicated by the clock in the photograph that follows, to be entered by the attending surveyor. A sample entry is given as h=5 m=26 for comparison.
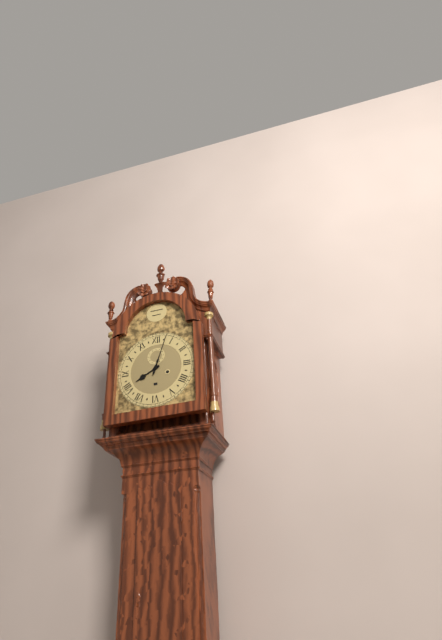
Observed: h=8 m=3
